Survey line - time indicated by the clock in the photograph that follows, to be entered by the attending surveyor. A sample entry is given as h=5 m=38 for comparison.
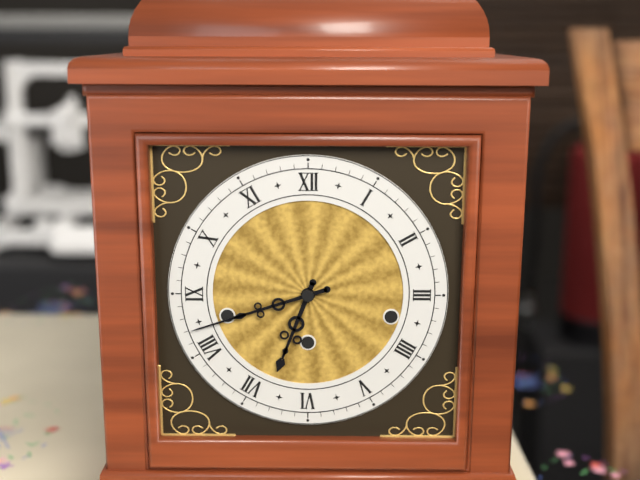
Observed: h=6 m=42
